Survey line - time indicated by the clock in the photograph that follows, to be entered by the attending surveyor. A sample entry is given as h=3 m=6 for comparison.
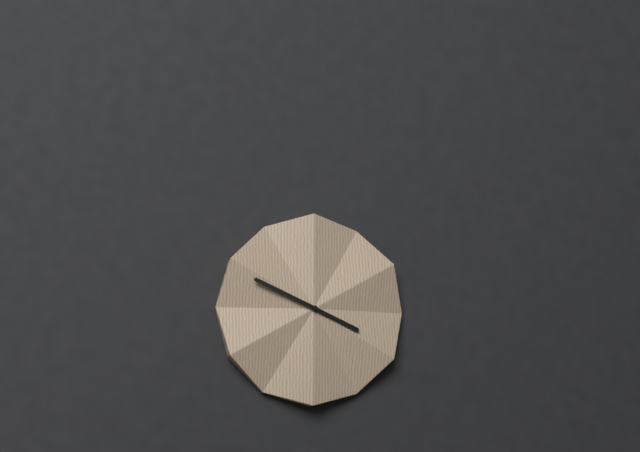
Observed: h=3 m=49
